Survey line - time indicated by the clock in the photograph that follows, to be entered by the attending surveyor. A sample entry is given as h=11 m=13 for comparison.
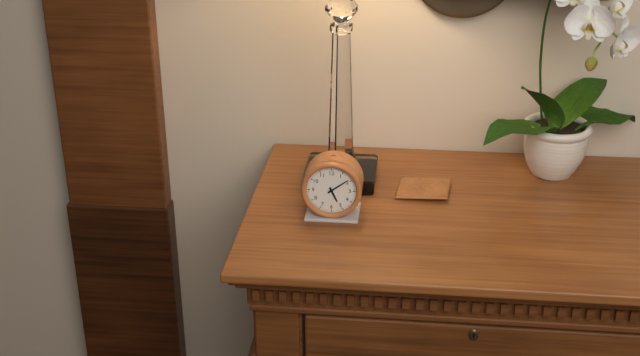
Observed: h=5 m=9
